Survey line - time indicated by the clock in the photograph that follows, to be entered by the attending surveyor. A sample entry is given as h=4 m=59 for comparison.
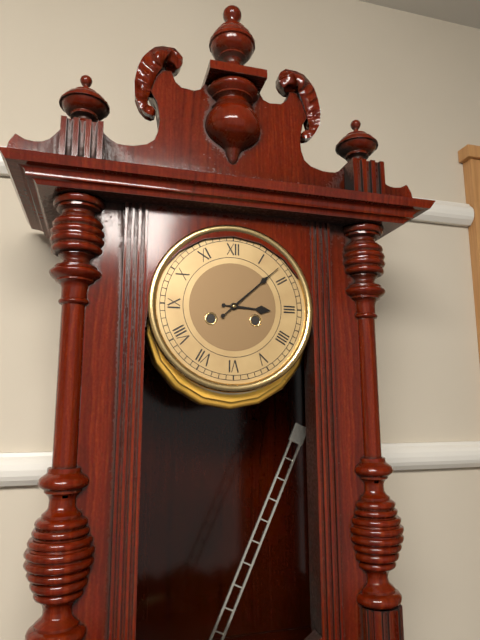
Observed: h=3 m=8
